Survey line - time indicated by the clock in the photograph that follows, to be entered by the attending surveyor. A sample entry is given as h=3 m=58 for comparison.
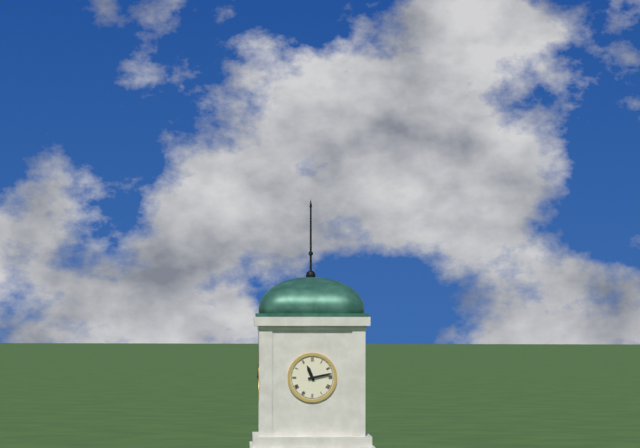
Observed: h=11 m=13
